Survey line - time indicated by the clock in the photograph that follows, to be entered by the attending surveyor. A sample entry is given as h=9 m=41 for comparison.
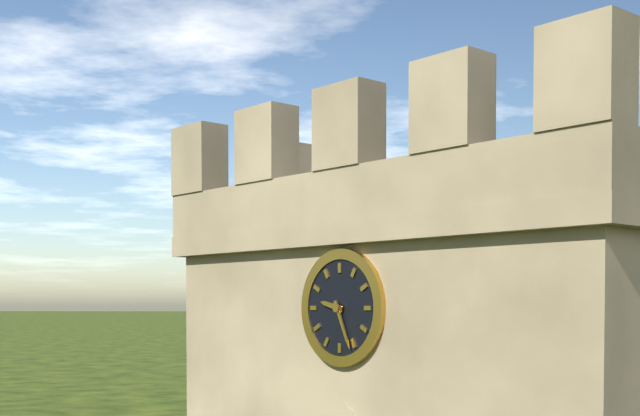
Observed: h=9 m=26
